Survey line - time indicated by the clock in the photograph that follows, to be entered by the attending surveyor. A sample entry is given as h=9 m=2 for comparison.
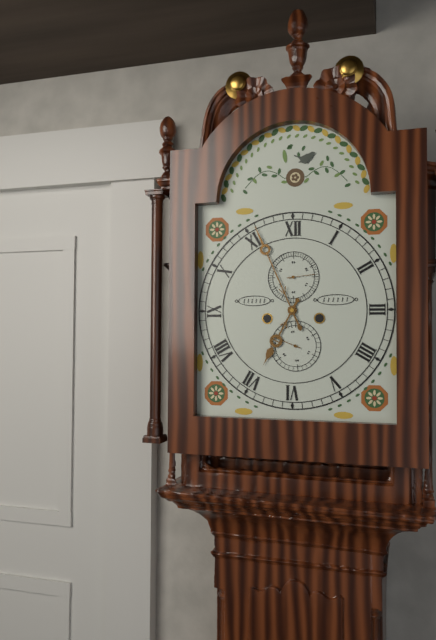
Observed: h=6 m=56
